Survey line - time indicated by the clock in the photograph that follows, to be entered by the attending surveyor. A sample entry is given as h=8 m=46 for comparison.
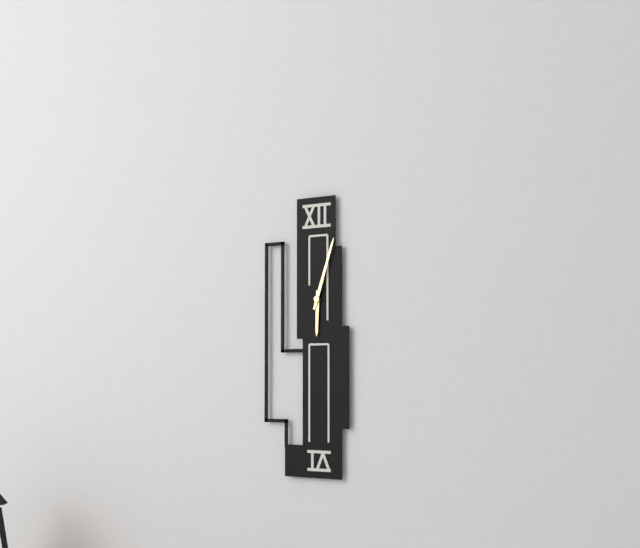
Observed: h=6 m=3
